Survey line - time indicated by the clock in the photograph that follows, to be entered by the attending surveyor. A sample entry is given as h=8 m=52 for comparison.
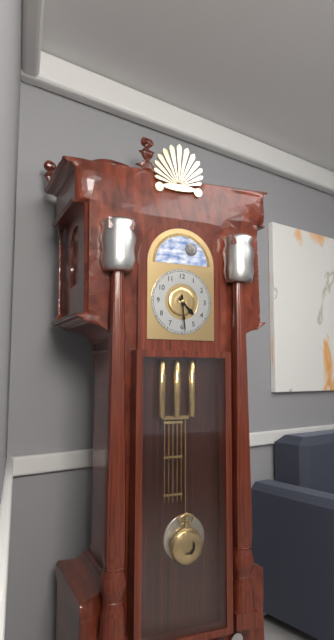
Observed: h=4 m=29
